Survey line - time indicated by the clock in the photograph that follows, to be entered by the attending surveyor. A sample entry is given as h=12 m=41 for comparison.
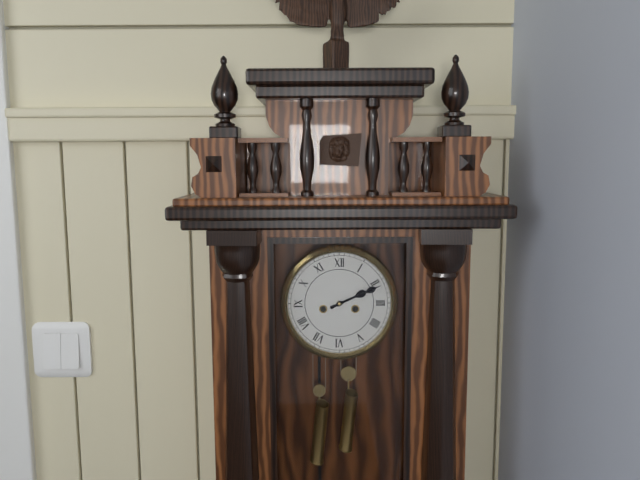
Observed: h=2 m=11
